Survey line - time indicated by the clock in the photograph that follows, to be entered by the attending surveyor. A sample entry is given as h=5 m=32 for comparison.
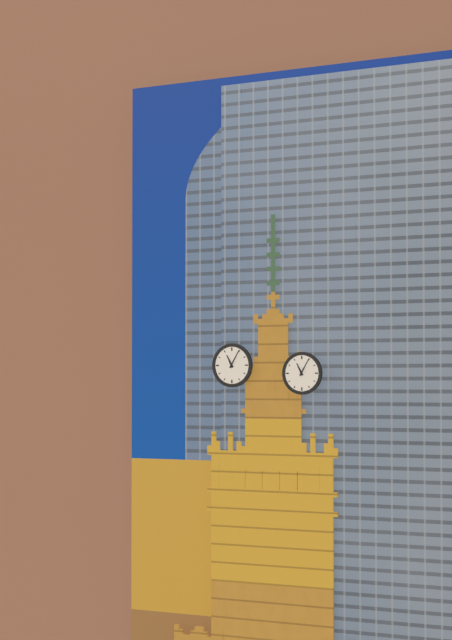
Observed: h=11 m=5
